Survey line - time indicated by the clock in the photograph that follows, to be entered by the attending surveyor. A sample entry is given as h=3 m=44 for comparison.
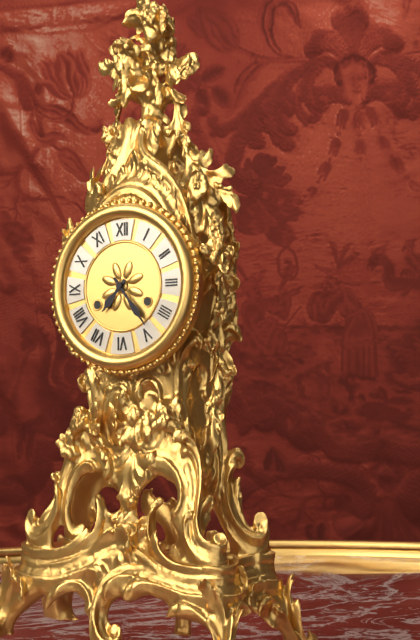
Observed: h=7 m=24
